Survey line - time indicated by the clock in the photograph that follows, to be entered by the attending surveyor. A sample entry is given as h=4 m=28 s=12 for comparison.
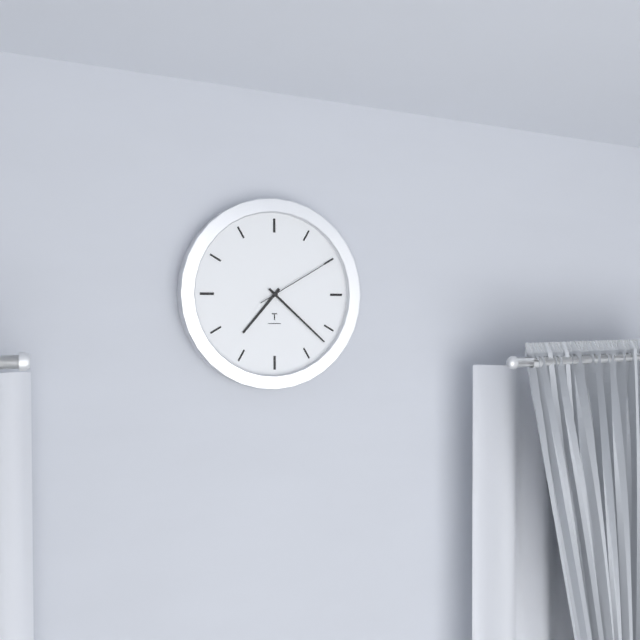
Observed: h=7 m=22 s=10
